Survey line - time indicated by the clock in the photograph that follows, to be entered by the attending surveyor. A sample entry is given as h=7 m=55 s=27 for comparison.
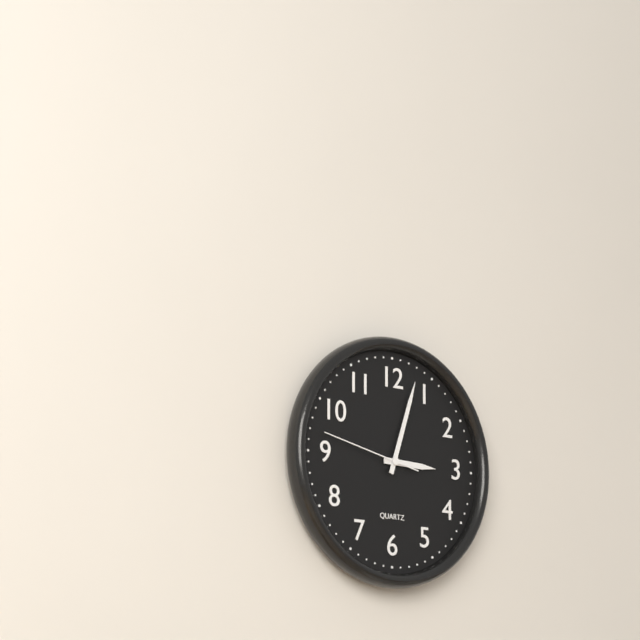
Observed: h=3 m=3 s=47
